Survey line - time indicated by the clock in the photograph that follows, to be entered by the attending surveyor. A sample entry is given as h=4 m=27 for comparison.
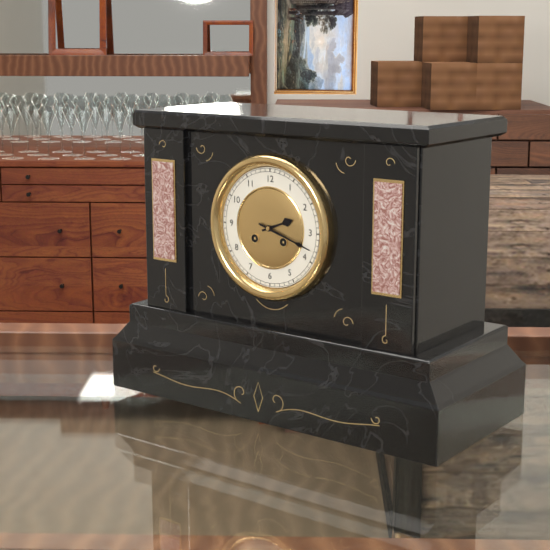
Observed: h=2 m=18
